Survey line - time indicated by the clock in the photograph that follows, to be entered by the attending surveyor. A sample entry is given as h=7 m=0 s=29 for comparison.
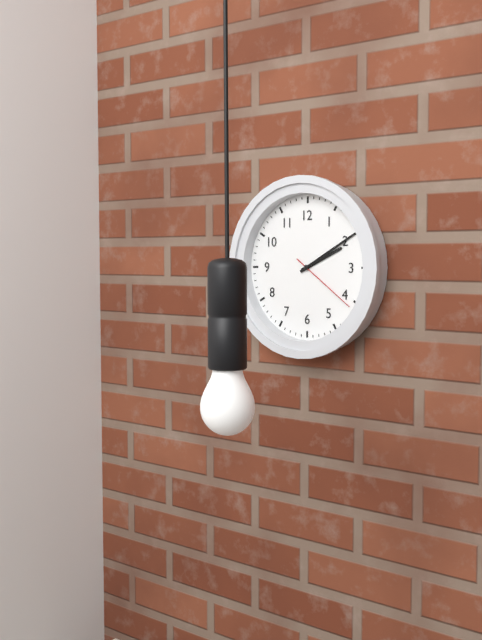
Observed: h=2 m=10 s=21
